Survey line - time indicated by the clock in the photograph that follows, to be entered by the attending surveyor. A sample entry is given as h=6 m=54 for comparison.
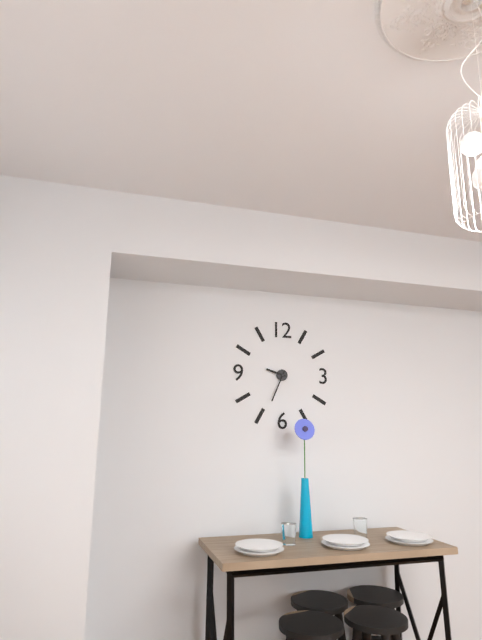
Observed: h=9 m=34
